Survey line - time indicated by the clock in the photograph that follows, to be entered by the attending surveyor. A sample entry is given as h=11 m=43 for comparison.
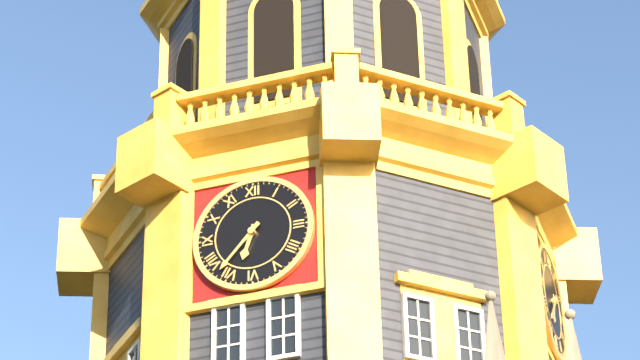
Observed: h=6 m=37
